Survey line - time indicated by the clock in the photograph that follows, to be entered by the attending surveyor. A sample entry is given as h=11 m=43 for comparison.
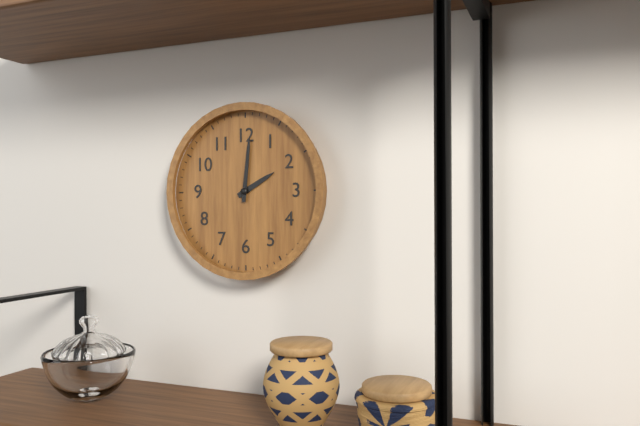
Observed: h=2 m=1
